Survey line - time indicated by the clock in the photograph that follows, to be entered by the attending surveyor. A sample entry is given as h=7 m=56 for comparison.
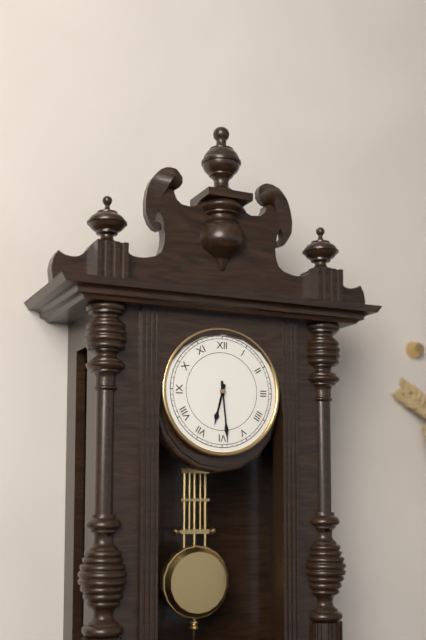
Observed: h=6 m=29
